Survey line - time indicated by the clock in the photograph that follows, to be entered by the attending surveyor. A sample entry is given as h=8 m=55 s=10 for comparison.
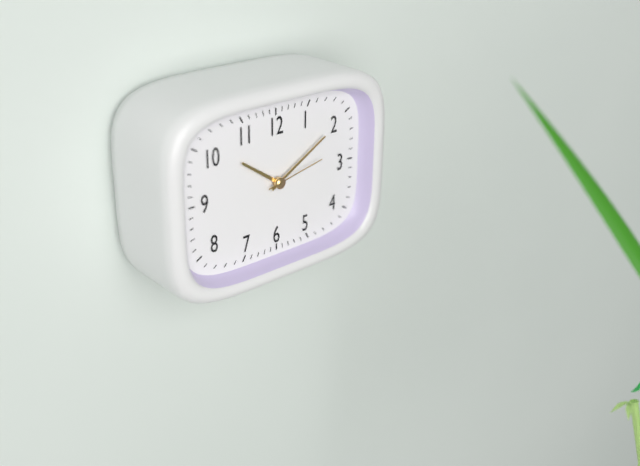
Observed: h=10 m=10 s=13
